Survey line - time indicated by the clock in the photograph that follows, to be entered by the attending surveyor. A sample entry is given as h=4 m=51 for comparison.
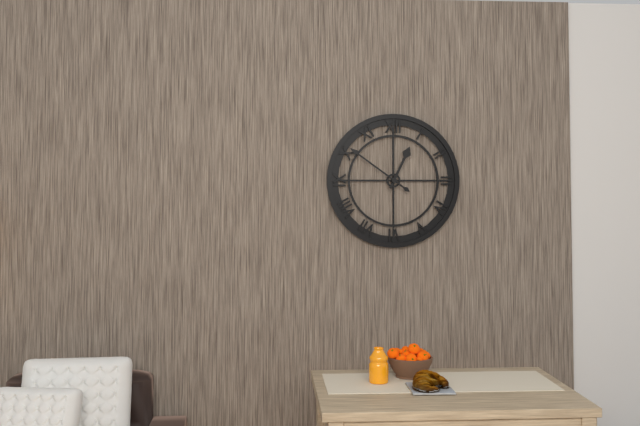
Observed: h=12 m=51
